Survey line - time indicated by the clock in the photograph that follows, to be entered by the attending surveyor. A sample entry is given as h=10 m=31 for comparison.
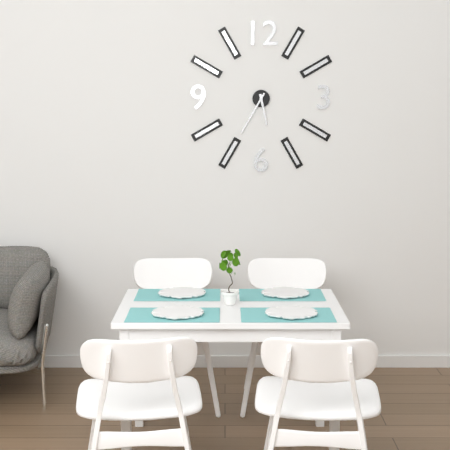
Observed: h=5 m=35
